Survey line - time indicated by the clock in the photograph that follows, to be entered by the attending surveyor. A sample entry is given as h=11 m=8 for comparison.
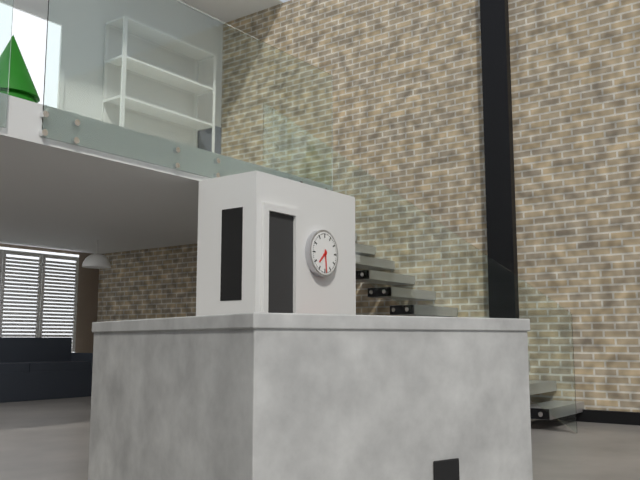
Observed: h=7 m=29
